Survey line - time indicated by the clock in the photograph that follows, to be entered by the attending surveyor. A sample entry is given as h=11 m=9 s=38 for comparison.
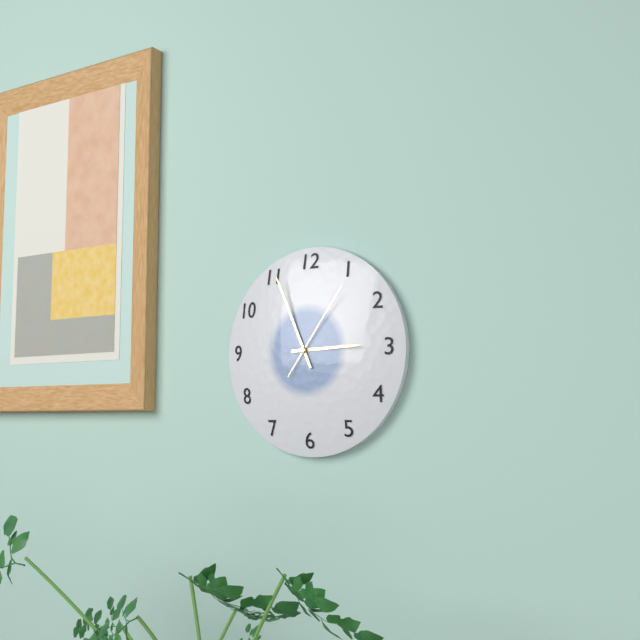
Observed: h=2 m=56 s=6
